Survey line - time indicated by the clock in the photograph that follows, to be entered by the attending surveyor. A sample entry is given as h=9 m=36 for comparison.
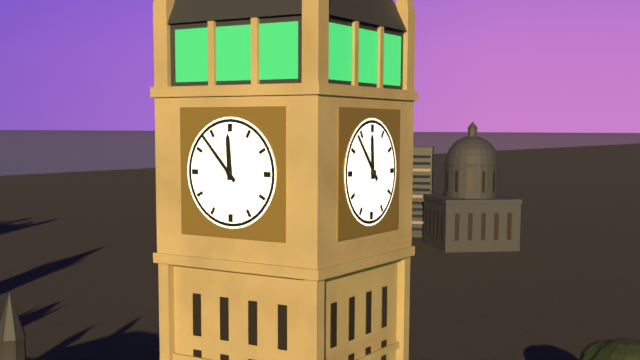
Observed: h=11 m=53
